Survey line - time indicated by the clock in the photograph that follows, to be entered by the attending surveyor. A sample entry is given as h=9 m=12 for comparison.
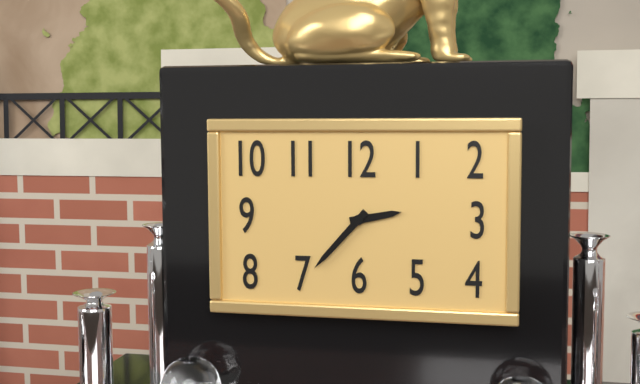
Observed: h=2 m=37
